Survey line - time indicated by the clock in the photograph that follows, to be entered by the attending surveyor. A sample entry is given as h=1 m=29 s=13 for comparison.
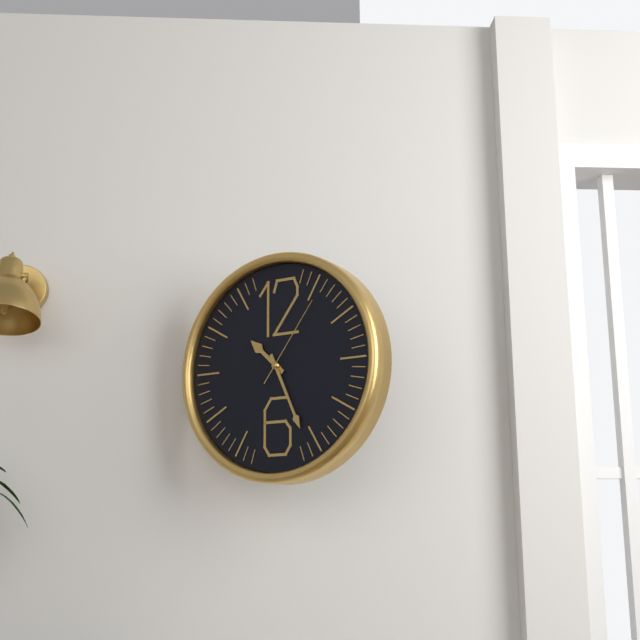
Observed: h=10 m=26 s=6
